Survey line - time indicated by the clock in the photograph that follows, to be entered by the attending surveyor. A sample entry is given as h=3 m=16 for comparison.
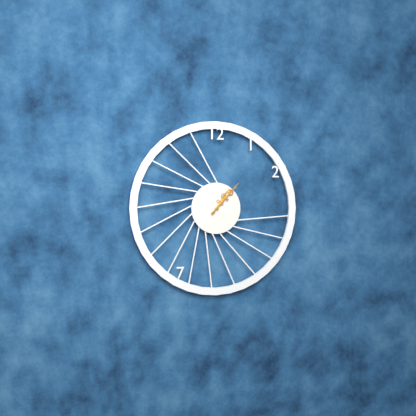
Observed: h=1 m=7
